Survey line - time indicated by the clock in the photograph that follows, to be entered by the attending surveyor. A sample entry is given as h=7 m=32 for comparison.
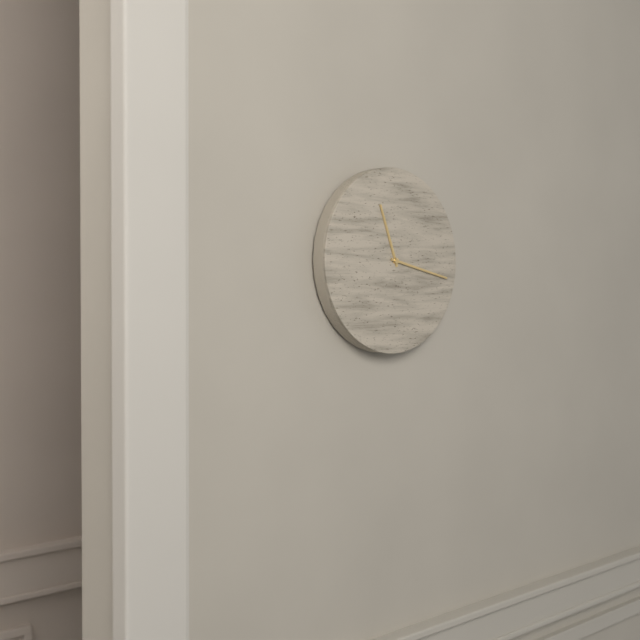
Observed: h=11 m=17
